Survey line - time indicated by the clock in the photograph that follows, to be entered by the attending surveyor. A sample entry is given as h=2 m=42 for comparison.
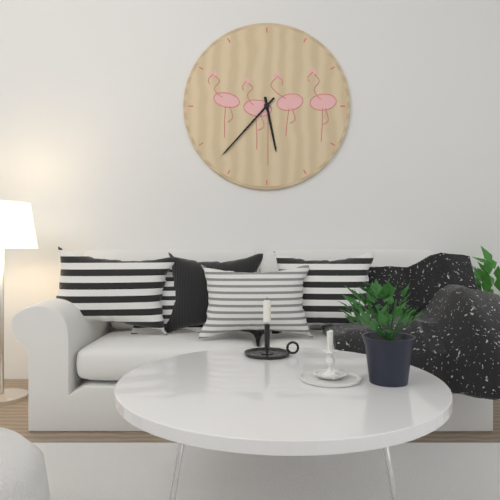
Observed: h=5 m=37
